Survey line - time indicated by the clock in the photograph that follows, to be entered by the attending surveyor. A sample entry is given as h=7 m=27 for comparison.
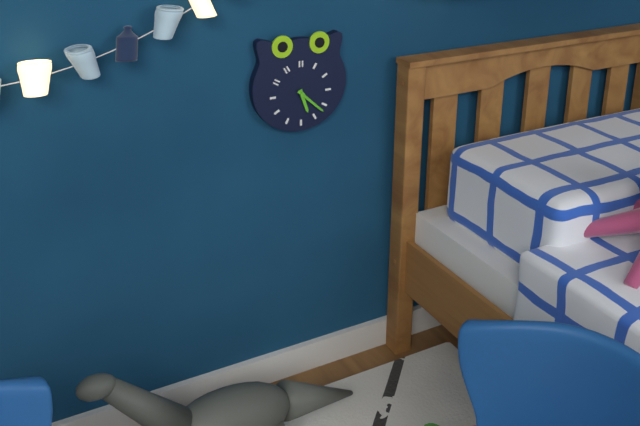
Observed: h=5 m=22
